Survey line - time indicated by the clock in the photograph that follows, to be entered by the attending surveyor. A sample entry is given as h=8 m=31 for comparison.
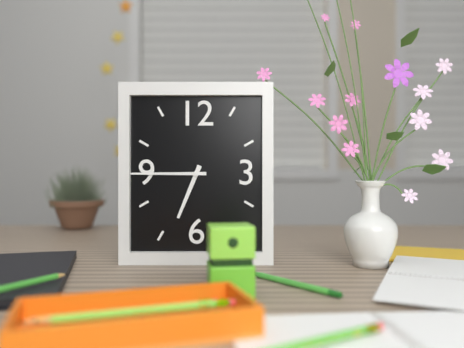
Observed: h=6 m=45
